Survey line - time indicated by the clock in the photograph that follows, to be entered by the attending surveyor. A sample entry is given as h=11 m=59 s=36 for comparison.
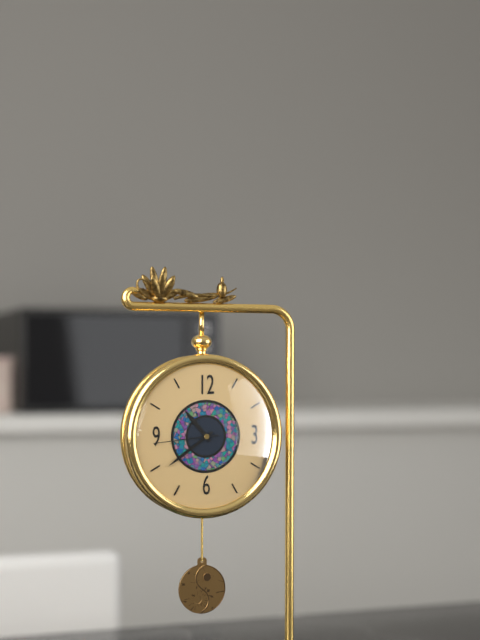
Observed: h=10 m=39 s=44
